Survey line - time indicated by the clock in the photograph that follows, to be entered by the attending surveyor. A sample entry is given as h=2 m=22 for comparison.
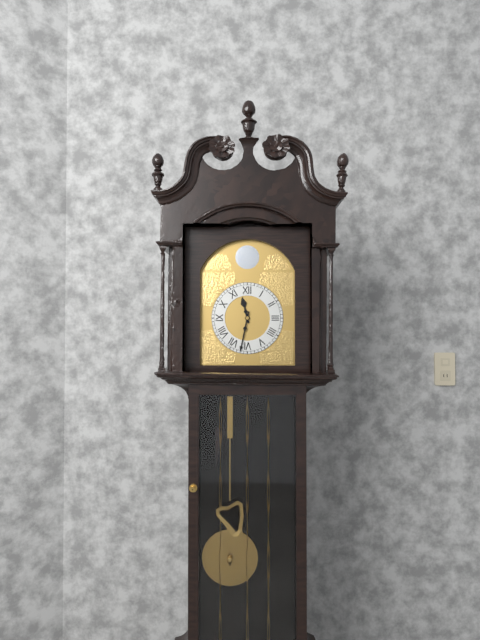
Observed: h=11 m=32
